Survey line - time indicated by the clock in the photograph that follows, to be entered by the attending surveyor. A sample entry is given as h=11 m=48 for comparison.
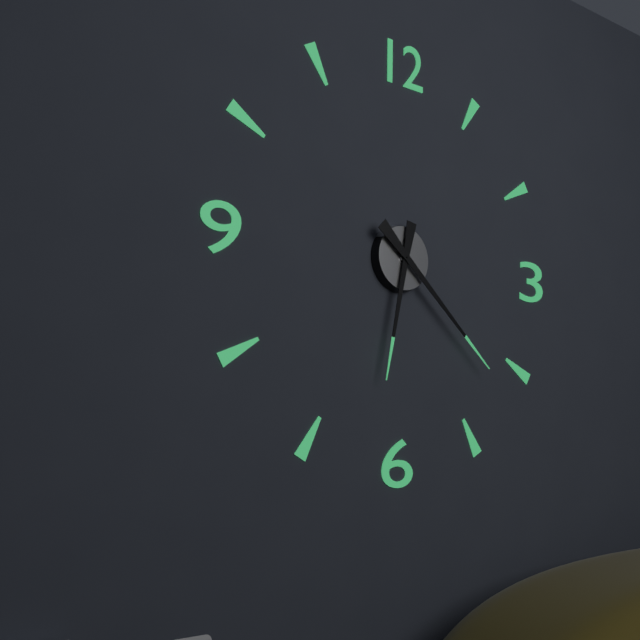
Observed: h=6 m=22
